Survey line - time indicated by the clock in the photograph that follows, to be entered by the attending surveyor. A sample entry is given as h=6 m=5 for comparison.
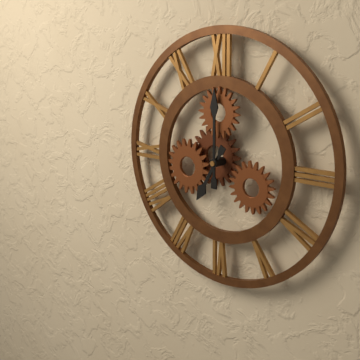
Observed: h=7 m=0
